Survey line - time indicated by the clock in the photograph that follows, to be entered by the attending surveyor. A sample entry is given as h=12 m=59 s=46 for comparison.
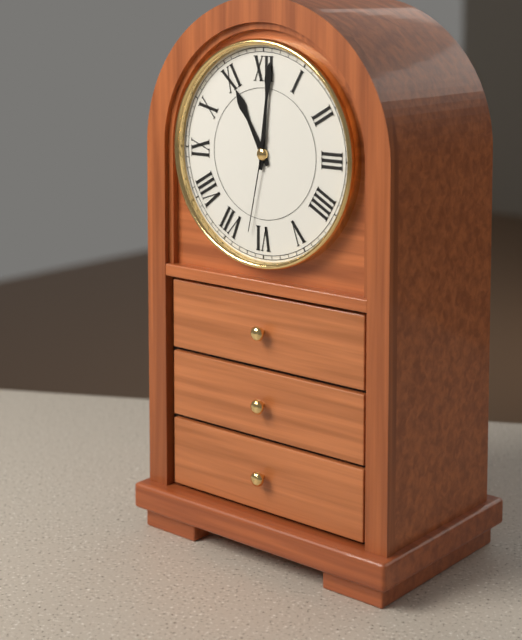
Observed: h=11 m=1 s=32
